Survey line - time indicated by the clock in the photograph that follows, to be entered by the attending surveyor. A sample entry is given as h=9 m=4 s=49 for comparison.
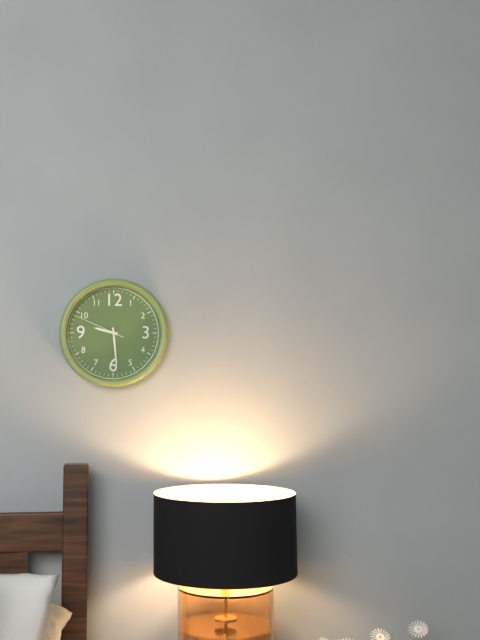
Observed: h=9 m=29 s=49
